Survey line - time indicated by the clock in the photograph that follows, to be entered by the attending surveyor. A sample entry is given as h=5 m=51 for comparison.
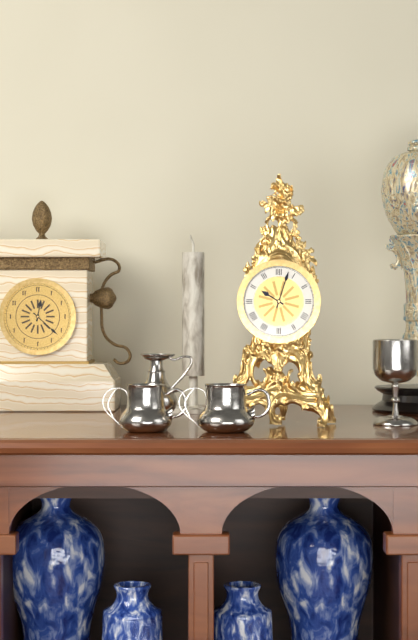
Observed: h=10 m=3
